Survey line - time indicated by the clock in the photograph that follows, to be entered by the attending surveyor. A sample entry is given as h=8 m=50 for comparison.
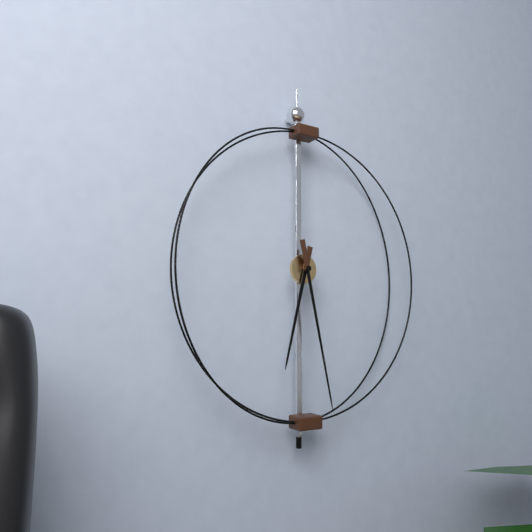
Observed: h=6 m=28
